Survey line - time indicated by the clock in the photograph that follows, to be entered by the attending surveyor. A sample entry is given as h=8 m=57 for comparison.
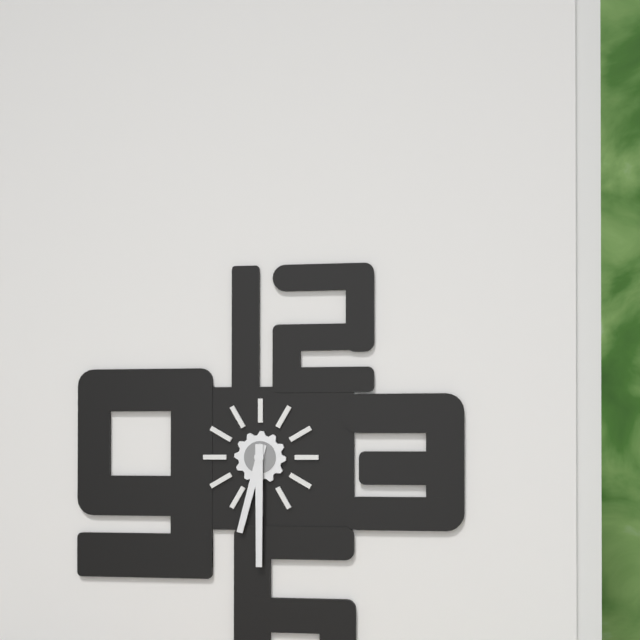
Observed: h=6 m=30
